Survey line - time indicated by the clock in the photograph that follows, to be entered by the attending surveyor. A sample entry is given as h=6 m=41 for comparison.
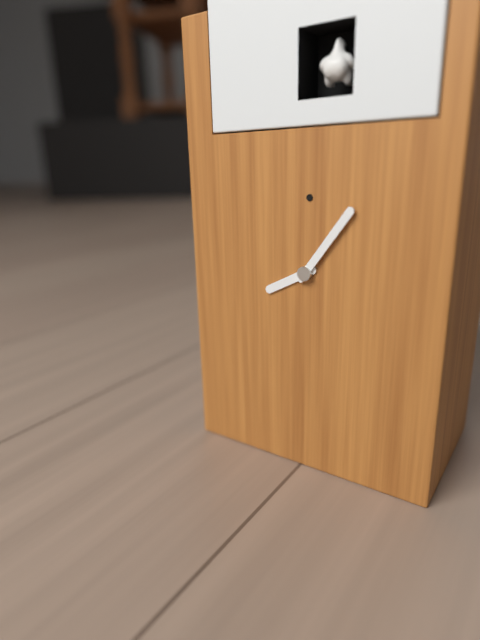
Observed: h=8 m=6
